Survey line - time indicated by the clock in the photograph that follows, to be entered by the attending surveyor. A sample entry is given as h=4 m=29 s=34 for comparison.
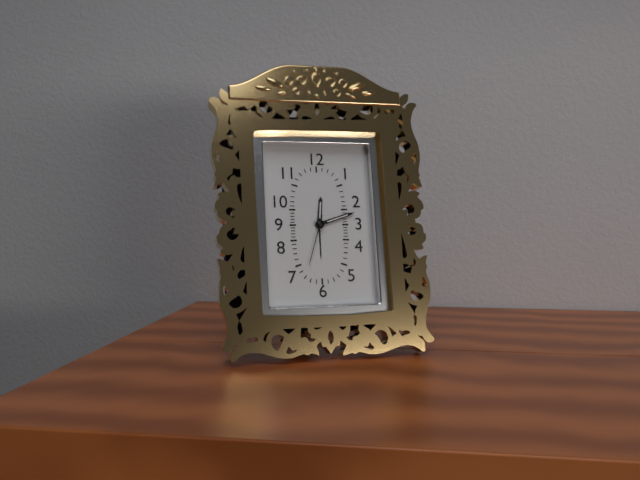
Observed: h=12 m=12 s=33
